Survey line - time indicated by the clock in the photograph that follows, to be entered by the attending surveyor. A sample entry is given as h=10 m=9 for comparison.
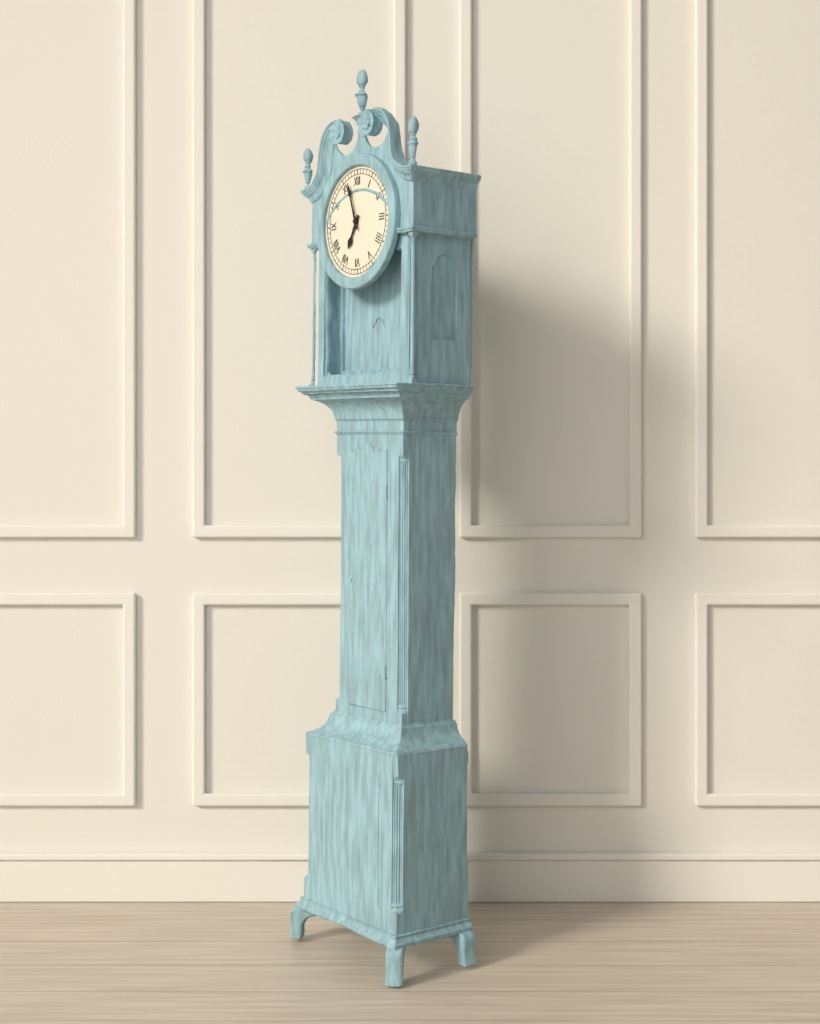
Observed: h=6 m=57
